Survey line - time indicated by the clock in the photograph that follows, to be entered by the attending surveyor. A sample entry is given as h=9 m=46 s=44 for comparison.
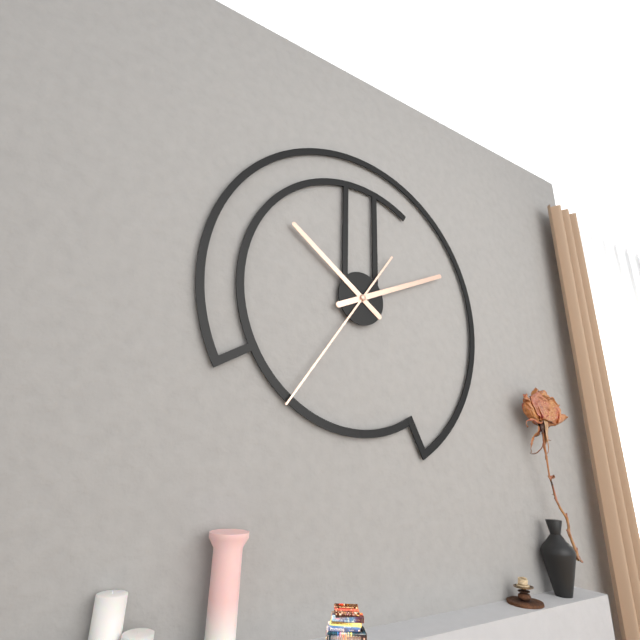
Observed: h=10 m=11 s=36
